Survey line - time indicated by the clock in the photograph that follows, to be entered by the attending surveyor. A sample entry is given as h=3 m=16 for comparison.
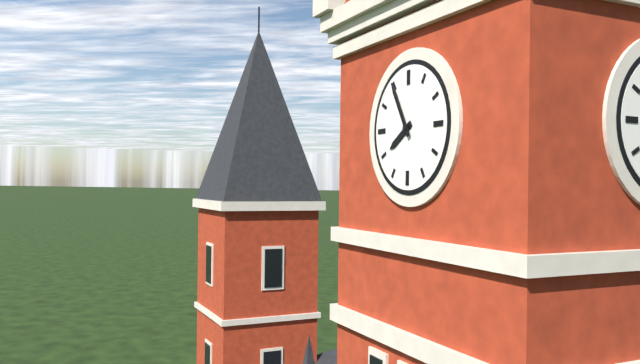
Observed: h=7 m=55
